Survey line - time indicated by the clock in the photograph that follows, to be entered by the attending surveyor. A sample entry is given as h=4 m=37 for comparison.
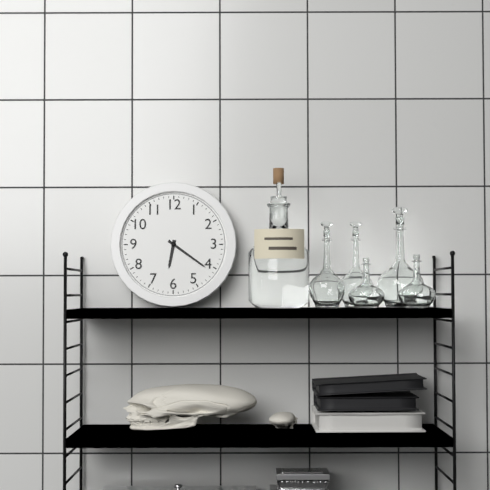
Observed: h=6 m=21
